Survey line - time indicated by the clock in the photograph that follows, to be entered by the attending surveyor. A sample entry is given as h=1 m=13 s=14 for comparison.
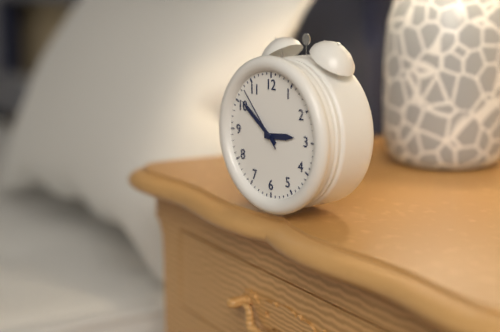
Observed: h=2 m=51 s=53
